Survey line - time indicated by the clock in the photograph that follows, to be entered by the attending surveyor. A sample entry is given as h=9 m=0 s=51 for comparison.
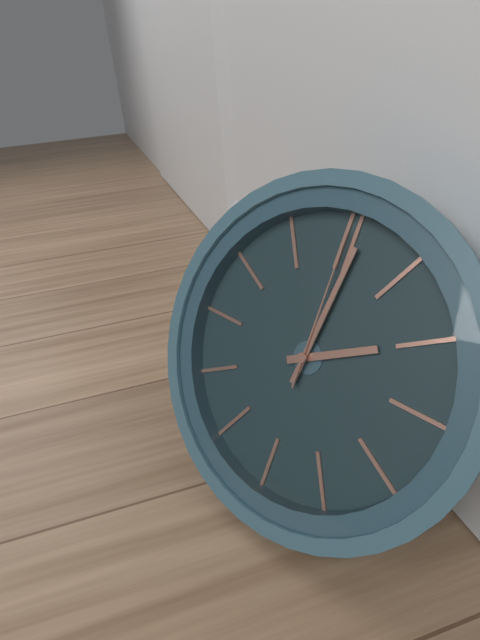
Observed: h=2 m=1 s=0
